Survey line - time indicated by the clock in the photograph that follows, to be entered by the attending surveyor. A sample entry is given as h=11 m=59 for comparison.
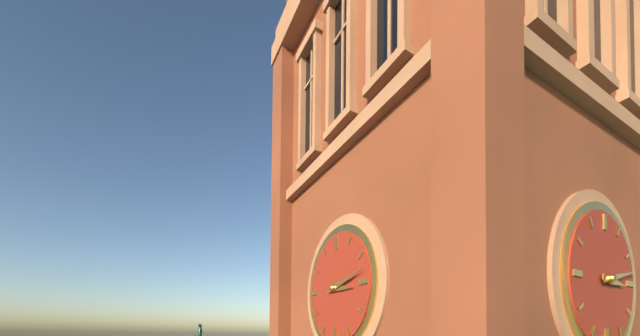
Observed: h=3 m=13
